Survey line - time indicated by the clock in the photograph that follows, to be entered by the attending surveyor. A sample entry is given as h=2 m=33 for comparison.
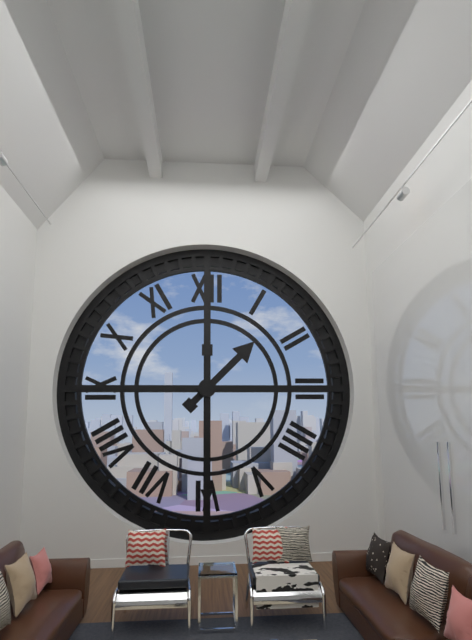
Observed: h=1 m=30
